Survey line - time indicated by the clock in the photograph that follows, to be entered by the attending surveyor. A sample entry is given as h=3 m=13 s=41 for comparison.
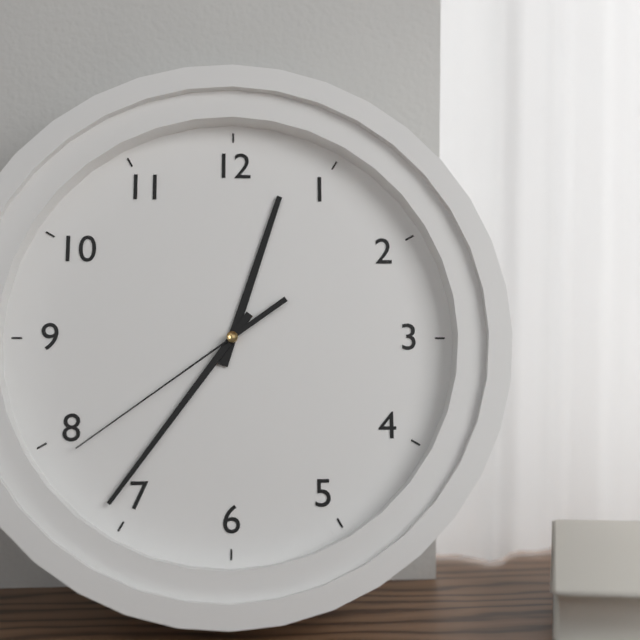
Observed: h=12 m=36 s=39
